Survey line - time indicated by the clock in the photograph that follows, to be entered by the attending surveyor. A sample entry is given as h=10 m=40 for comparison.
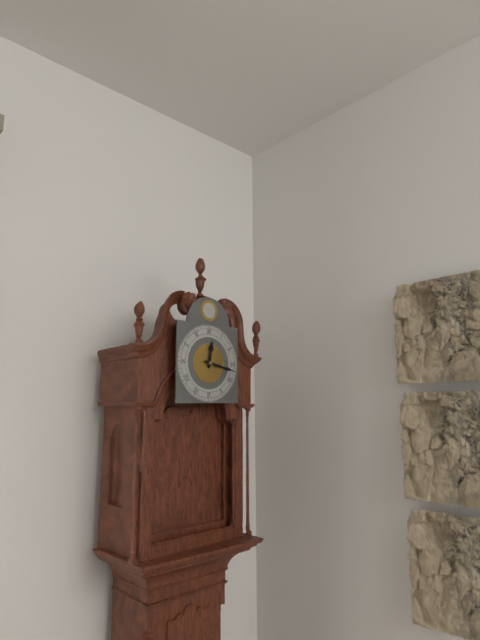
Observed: h=12 m=17
